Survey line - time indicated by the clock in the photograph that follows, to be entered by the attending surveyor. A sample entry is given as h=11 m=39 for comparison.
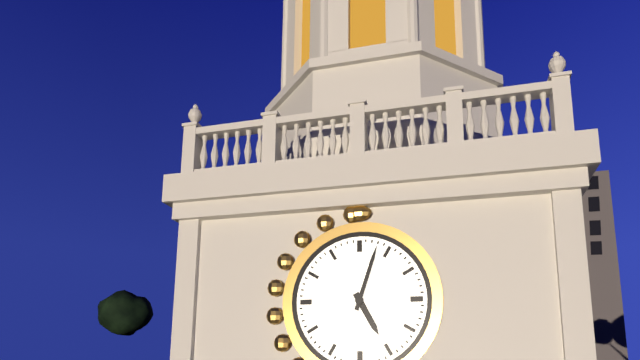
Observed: h=5 m=3
